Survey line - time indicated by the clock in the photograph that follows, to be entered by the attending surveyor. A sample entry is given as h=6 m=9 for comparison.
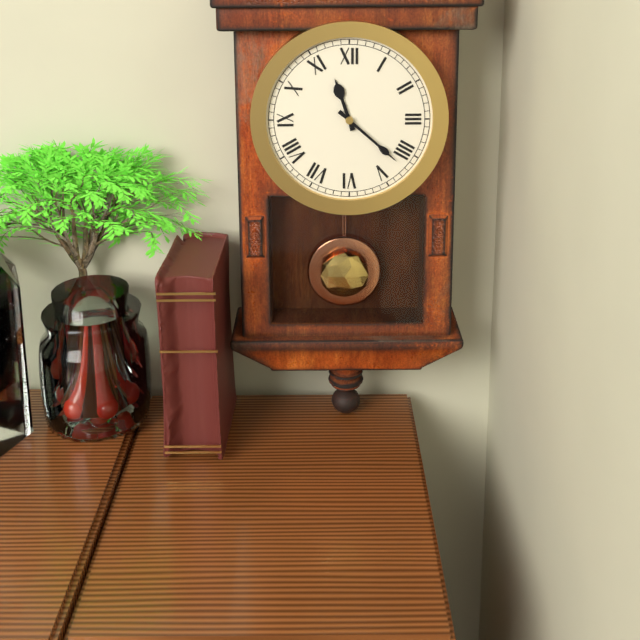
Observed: h=11 m=22
